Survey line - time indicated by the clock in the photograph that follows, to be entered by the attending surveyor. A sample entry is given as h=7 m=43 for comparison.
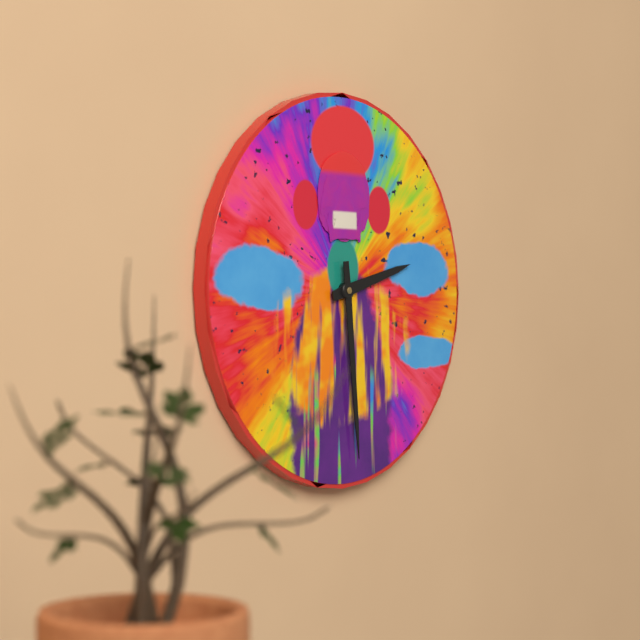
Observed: h=2 m=29
